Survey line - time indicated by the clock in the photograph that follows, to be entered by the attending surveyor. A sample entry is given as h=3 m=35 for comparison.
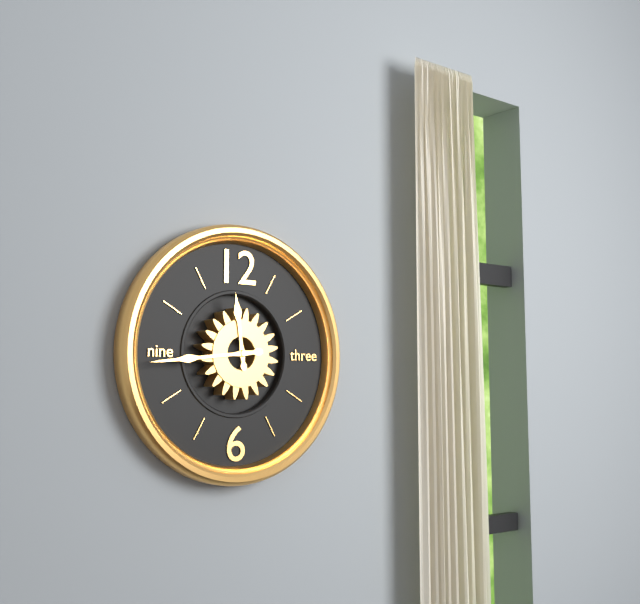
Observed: h=11 m=44
